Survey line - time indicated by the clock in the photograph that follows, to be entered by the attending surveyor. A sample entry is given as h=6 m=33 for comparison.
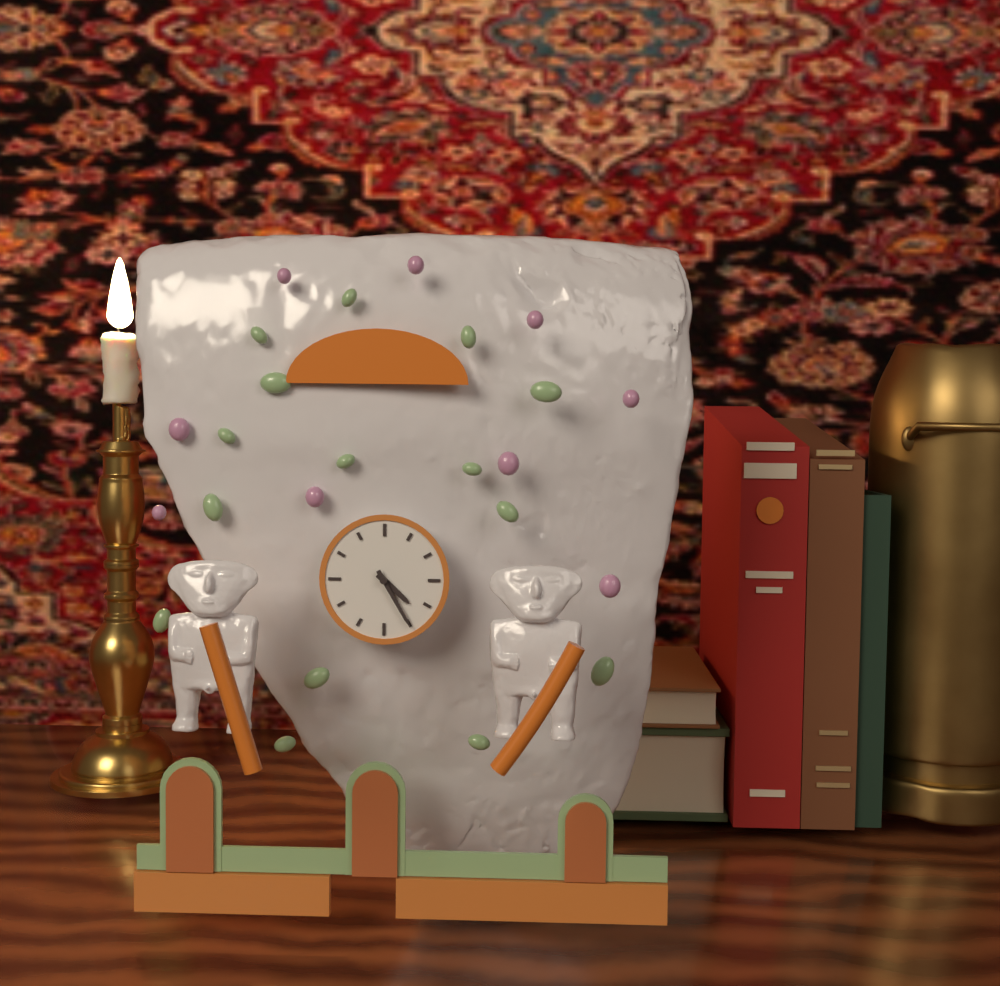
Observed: h=4 m=25
